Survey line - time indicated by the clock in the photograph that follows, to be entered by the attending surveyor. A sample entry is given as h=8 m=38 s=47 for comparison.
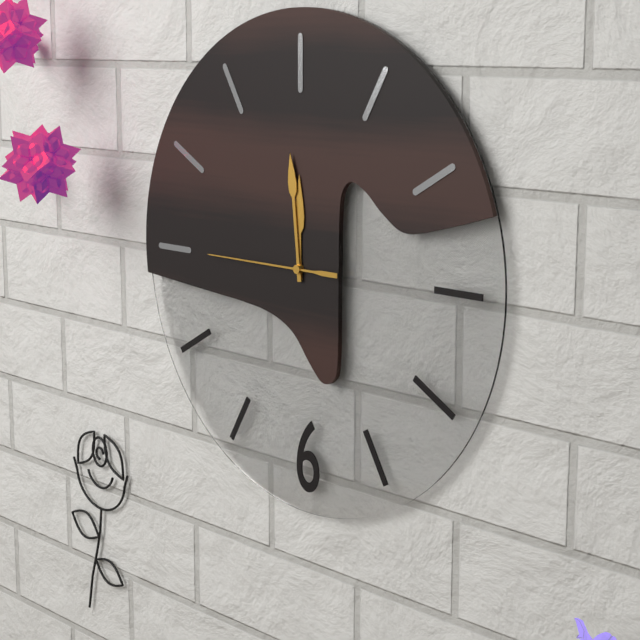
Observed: h=11 m=59 s=45
